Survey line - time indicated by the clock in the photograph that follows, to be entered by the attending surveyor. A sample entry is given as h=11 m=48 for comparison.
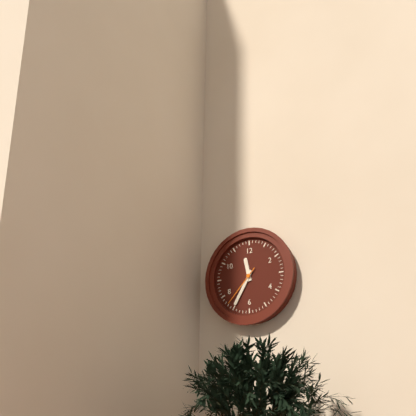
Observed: h=11 m=35
